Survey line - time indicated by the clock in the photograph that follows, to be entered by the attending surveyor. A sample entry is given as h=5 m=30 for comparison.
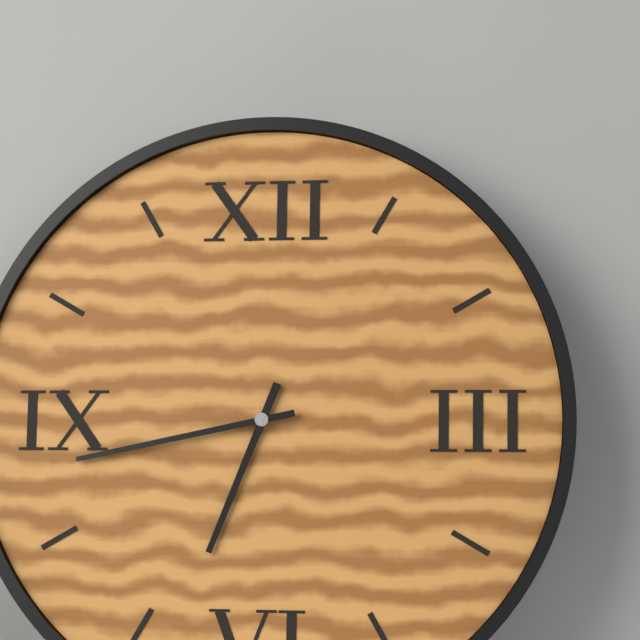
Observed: h=6 m=43
